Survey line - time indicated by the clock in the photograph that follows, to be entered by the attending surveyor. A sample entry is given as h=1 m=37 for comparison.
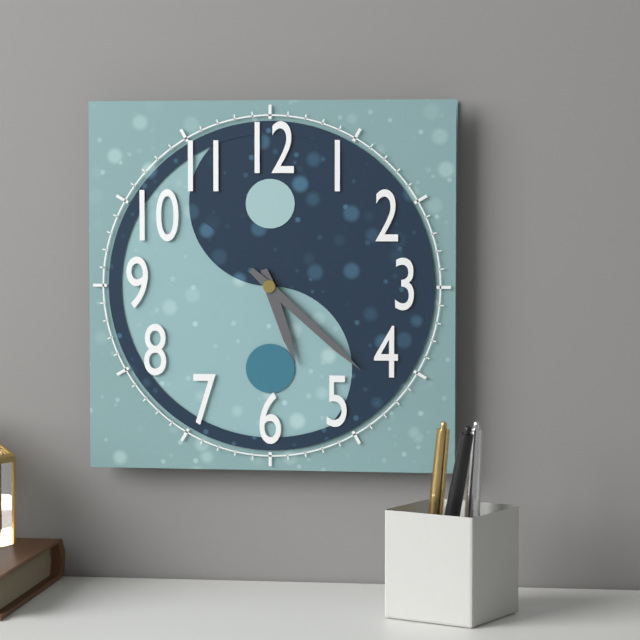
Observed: h=5 m=22
